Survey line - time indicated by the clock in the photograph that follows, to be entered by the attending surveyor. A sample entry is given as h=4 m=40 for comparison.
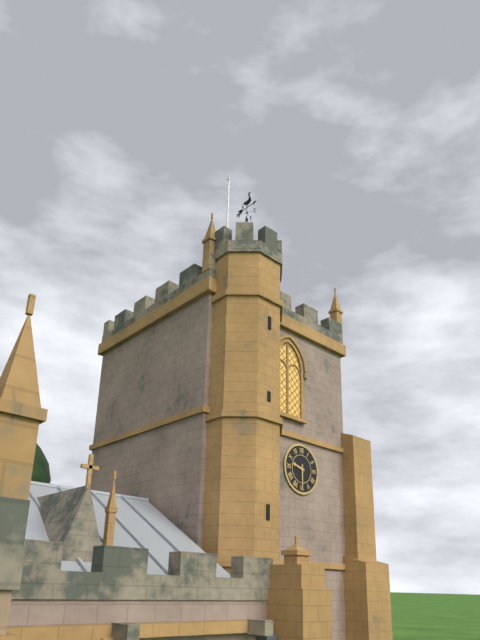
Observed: h=9 m=30
